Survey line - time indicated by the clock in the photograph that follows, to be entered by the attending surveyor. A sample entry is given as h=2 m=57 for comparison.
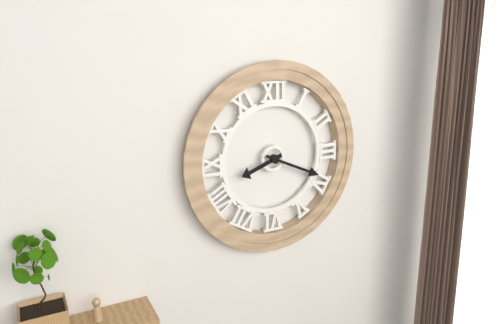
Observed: h=8 m=19
